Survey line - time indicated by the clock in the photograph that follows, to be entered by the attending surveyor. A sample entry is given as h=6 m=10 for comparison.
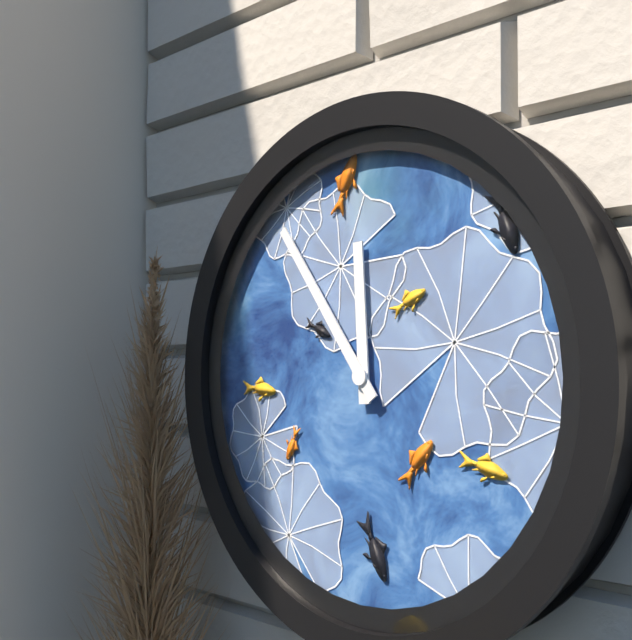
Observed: h=11 m=54
